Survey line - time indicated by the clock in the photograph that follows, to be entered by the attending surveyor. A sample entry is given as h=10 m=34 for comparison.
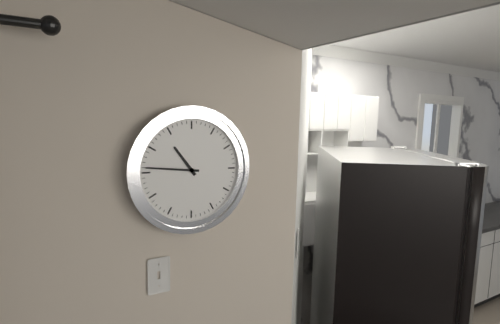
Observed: h=10 m=46
